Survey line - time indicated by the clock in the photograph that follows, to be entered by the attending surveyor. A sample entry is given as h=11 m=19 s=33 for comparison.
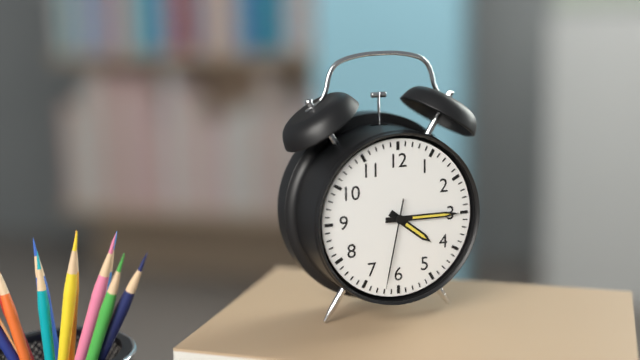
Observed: h=4 m=15 s=32
